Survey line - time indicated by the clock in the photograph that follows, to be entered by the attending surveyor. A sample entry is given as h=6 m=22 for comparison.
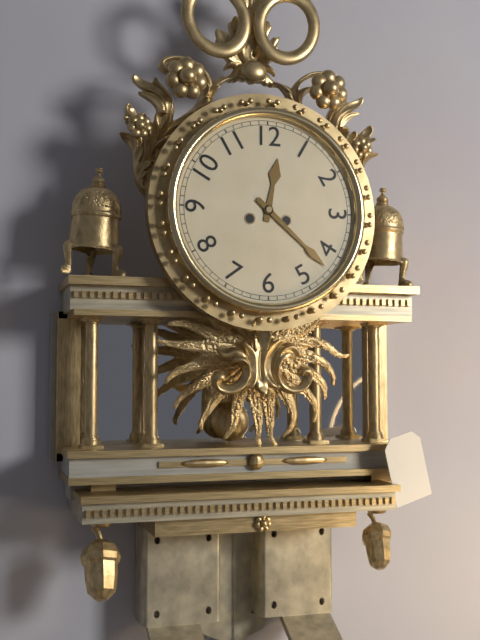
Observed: h=12 m=22
